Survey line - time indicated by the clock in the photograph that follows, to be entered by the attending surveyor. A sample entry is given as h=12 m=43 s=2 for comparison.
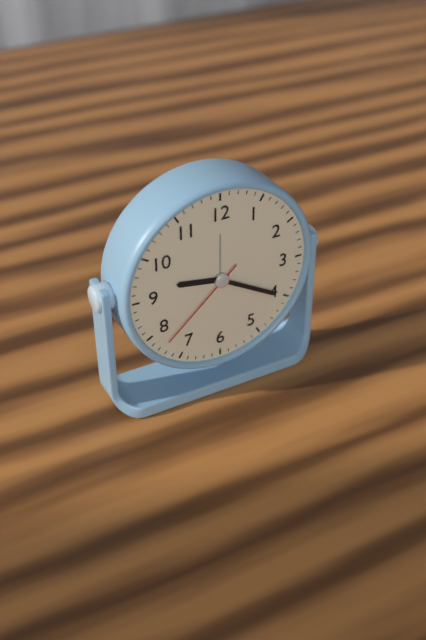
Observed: h=9 m=20 s=38
